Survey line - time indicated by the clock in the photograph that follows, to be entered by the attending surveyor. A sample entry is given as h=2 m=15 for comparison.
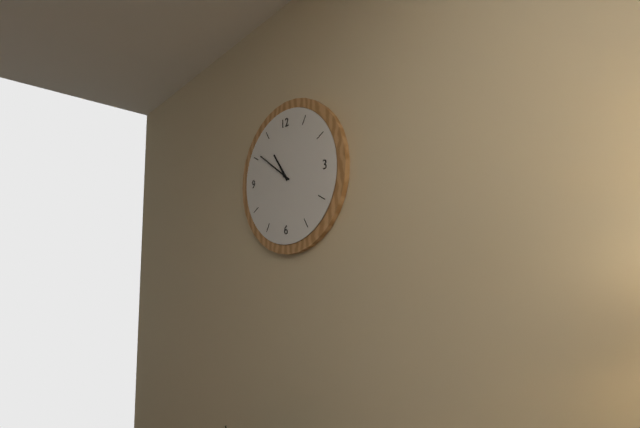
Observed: h=10 m=51
